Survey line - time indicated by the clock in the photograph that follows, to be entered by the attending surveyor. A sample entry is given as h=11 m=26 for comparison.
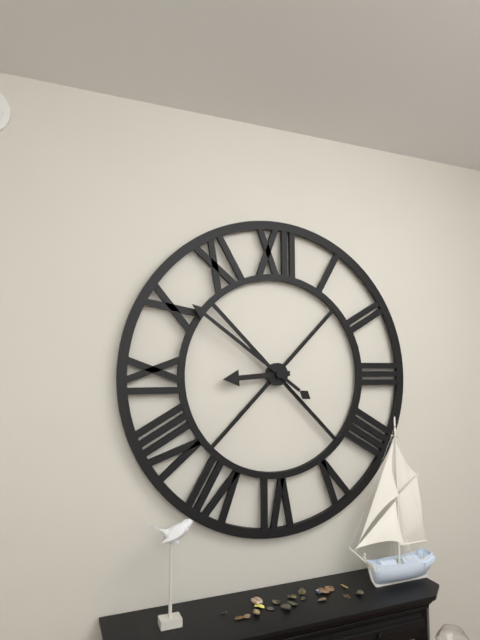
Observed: h=8 m=51
